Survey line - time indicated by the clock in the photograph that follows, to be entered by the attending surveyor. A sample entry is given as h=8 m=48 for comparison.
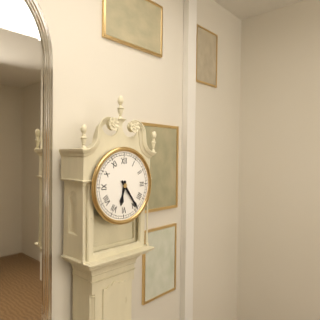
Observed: h=6 m=24
